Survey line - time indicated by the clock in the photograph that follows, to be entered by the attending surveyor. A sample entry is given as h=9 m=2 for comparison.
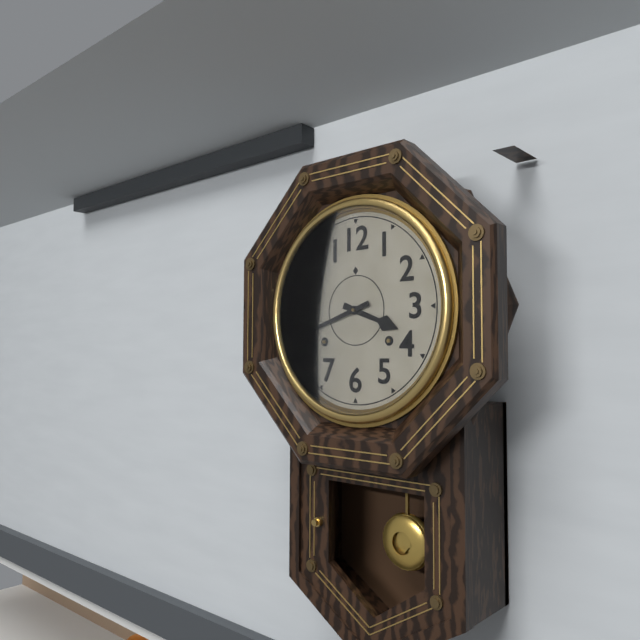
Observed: h=3 m=42
